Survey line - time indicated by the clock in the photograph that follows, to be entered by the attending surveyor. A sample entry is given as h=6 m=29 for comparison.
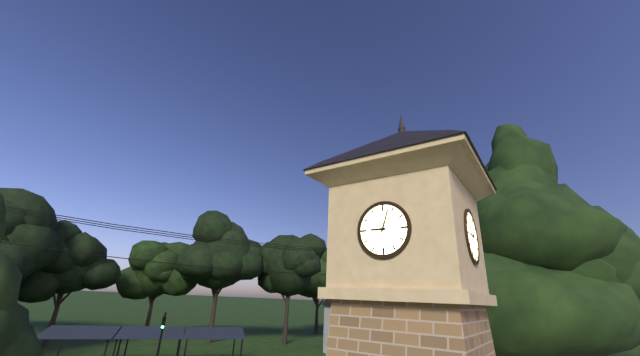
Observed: h=9 m=3
